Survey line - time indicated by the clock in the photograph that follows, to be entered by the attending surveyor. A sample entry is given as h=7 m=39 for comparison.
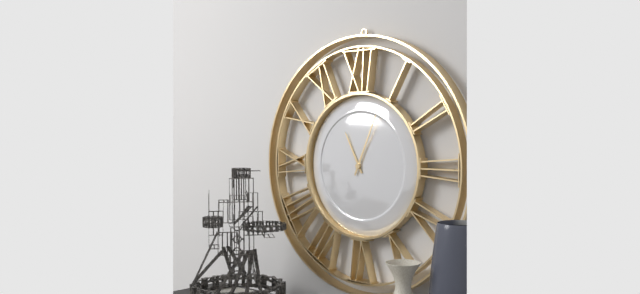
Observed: h=11 m=4
